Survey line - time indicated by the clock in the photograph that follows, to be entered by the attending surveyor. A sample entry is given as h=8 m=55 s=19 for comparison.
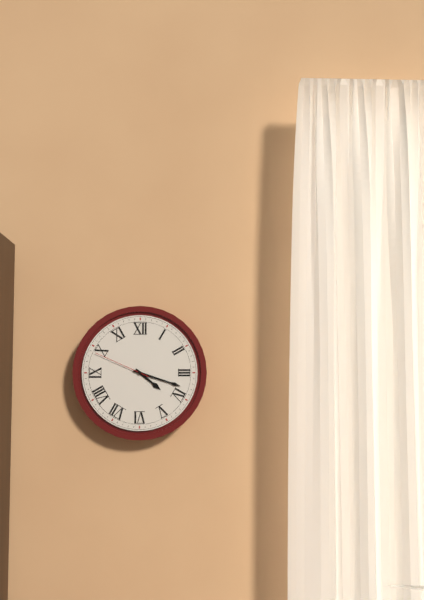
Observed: h=4 m=18 s=49
